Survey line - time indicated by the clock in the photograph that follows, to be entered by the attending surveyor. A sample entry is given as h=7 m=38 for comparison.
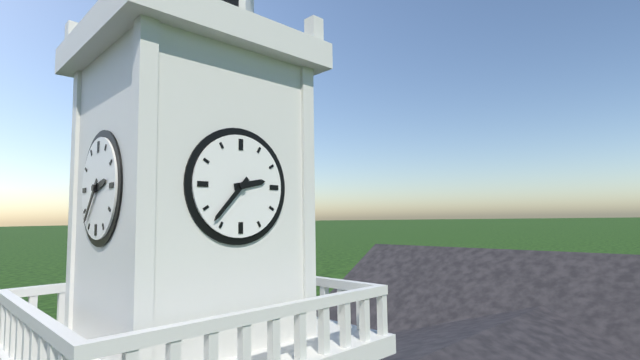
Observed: h=2 m=37
